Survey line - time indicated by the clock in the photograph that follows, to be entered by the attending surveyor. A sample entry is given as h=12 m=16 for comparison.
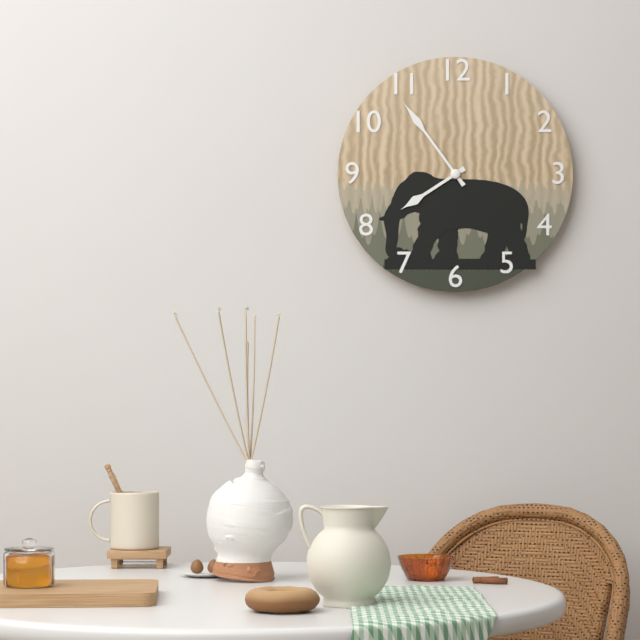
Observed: h=7 m=54
